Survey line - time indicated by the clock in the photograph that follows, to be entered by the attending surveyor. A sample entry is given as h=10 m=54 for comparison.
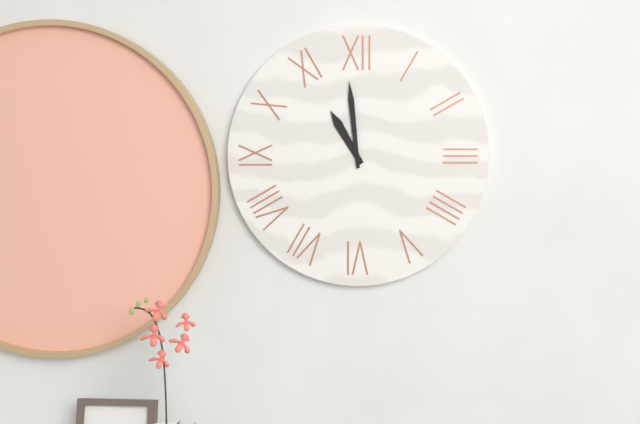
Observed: h=10 m=59
